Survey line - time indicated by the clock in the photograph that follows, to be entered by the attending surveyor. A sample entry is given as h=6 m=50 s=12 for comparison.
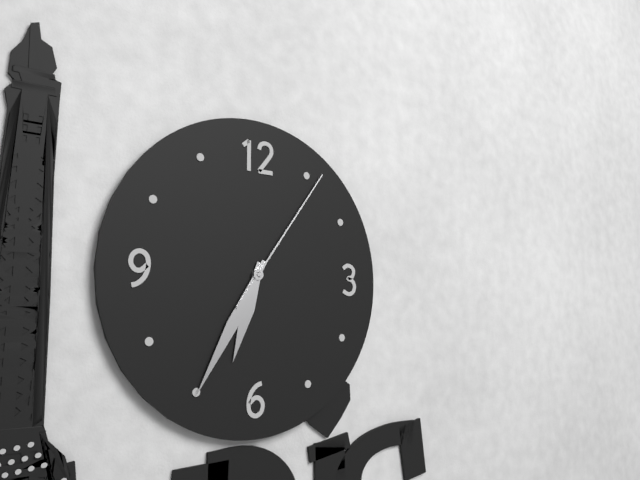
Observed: h=6 m=35 s=6
